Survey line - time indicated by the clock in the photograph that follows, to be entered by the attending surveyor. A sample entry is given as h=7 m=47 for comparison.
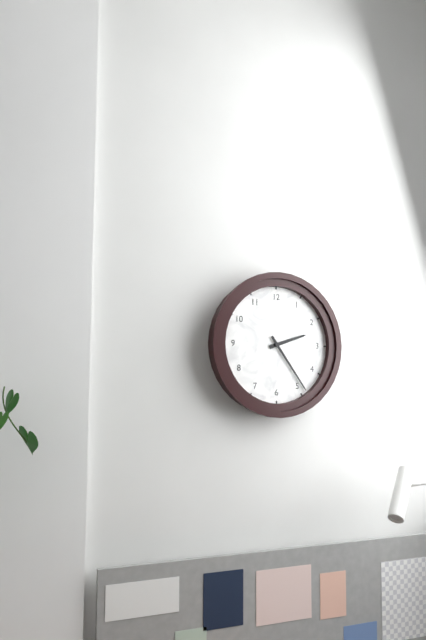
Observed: h=2 m=24
